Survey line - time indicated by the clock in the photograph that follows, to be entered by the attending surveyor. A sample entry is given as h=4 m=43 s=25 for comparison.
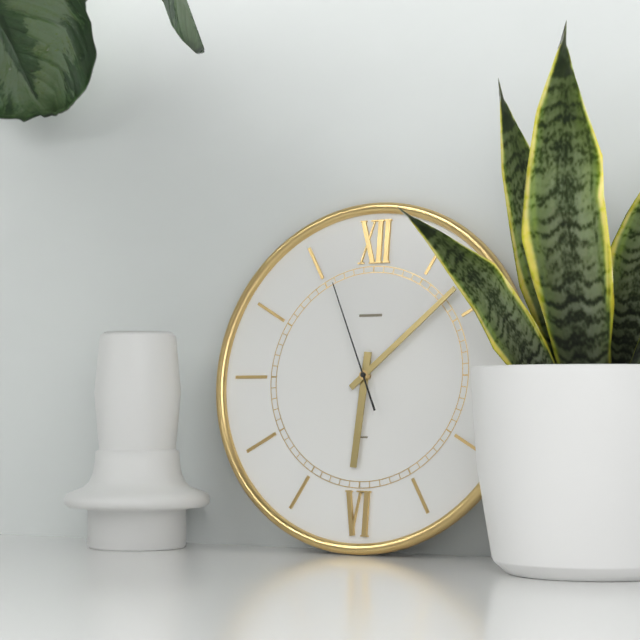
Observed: h=6 m=8 s=56
